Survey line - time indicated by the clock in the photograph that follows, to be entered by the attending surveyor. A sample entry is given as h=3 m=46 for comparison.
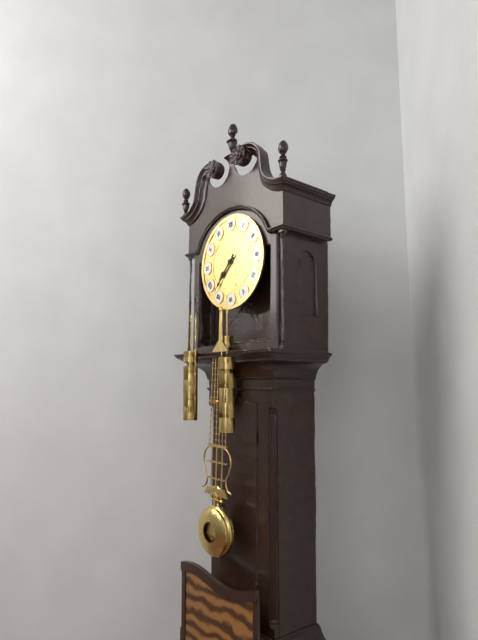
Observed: h=7 m=37
